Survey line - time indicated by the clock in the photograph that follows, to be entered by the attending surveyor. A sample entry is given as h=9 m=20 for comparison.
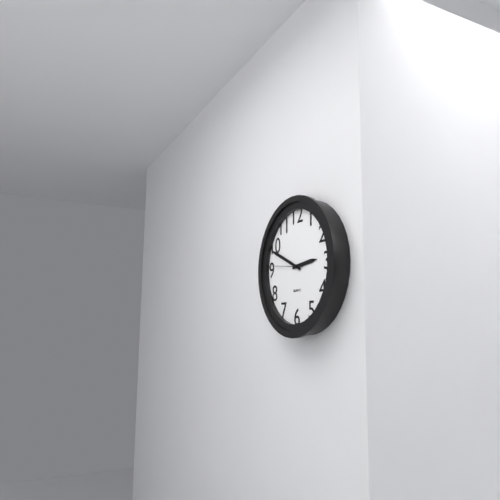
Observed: h=2 m=49
